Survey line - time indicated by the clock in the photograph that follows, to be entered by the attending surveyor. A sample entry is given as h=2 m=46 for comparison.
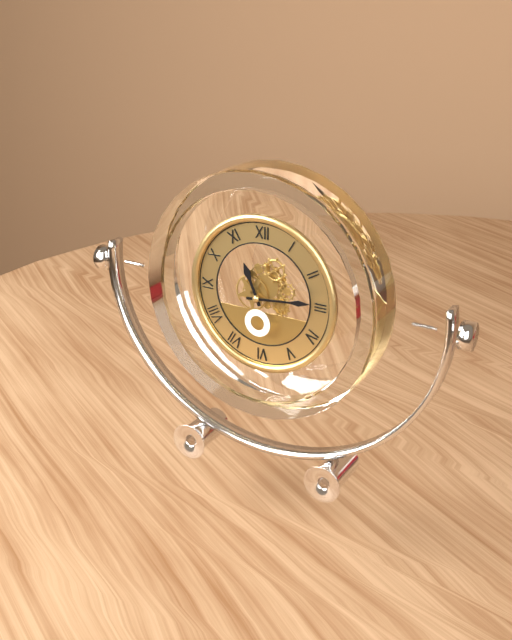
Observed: h=11 m=14
